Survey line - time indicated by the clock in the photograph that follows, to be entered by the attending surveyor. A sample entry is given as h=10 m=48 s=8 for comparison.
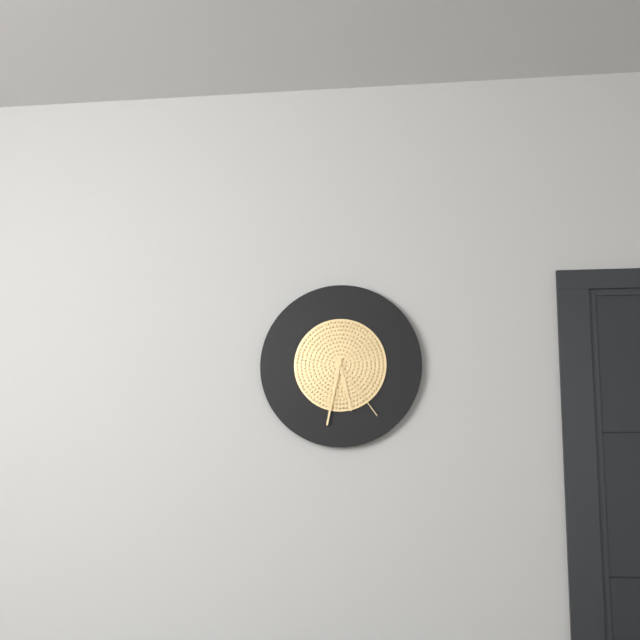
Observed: h=5 m=32 s=24
